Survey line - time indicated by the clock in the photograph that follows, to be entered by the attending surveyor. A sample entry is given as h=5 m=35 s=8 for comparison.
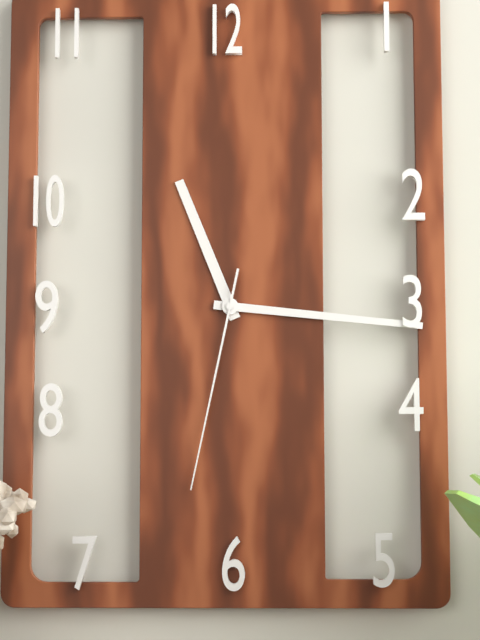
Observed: h=11 m=16 s=32
